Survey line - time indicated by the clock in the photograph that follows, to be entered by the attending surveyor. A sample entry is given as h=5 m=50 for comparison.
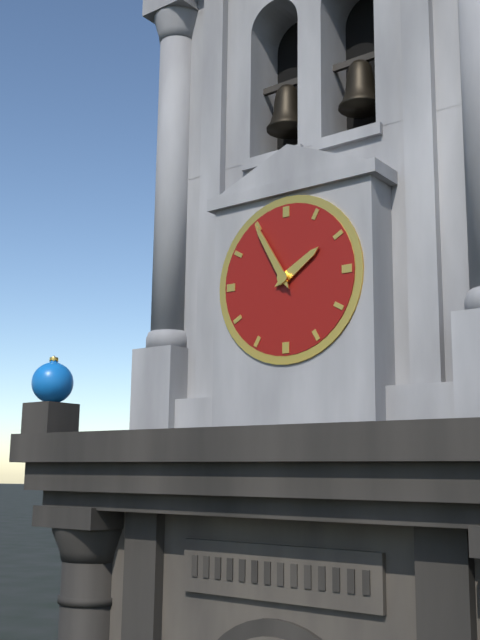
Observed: h=1 m=55
